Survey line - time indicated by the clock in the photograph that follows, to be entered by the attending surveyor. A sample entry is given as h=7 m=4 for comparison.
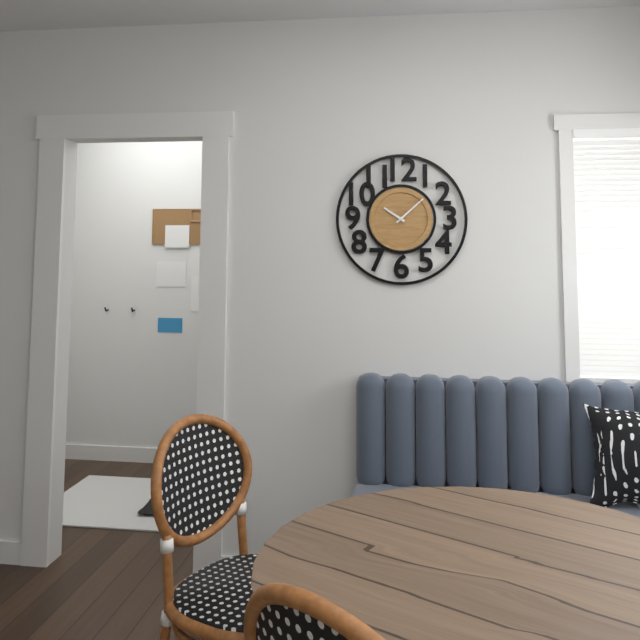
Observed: h=10 m=8
